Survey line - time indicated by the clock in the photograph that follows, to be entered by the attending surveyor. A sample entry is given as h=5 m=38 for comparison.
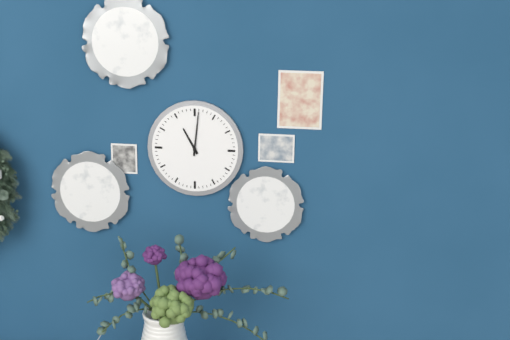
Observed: h=11 m=1
